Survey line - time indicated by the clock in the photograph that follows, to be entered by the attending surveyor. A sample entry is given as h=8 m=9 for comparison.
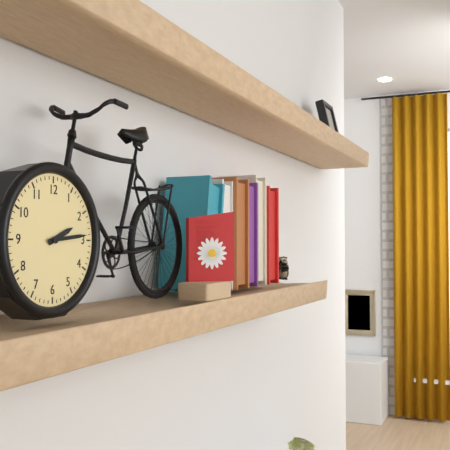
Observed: h=2 m=14
